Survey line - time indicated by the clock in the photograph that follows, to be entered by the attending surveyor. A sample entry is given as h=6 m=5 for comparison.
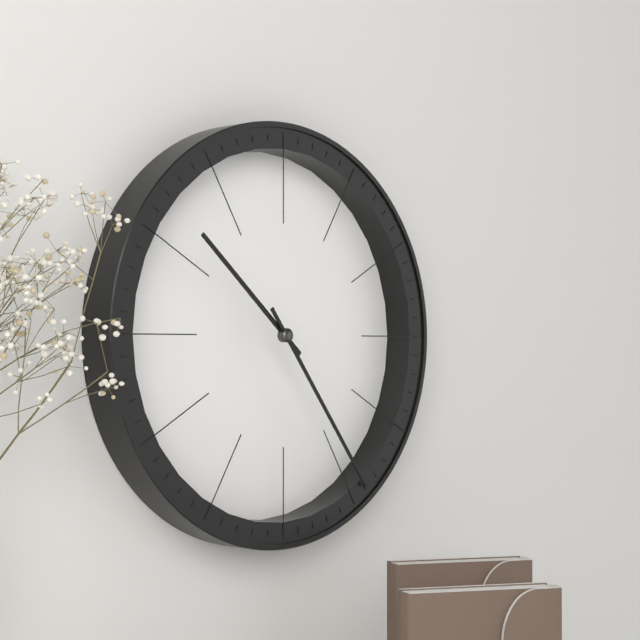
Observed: h=10 m=24
